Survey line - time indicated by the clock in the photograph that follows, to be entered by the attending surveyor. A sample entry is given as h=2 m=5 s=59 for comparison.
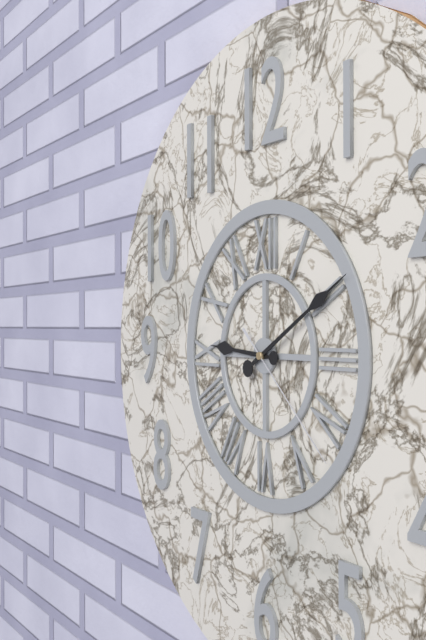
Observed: h=9 m=10 s=22
